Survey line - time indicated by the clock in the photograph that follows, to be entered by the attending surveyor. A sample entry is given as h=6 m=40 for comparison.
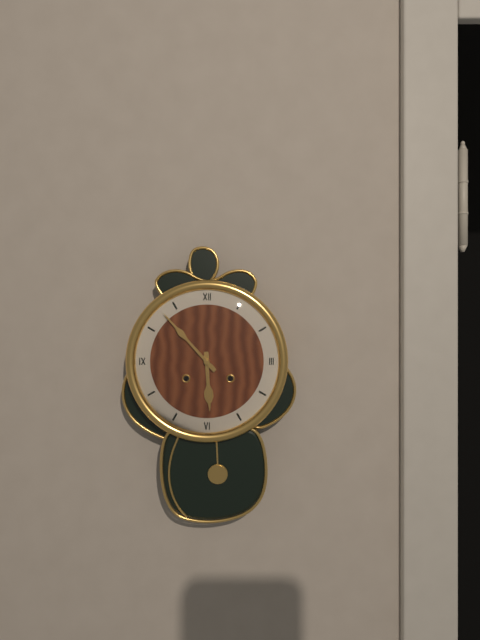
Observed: h=5 m=53
